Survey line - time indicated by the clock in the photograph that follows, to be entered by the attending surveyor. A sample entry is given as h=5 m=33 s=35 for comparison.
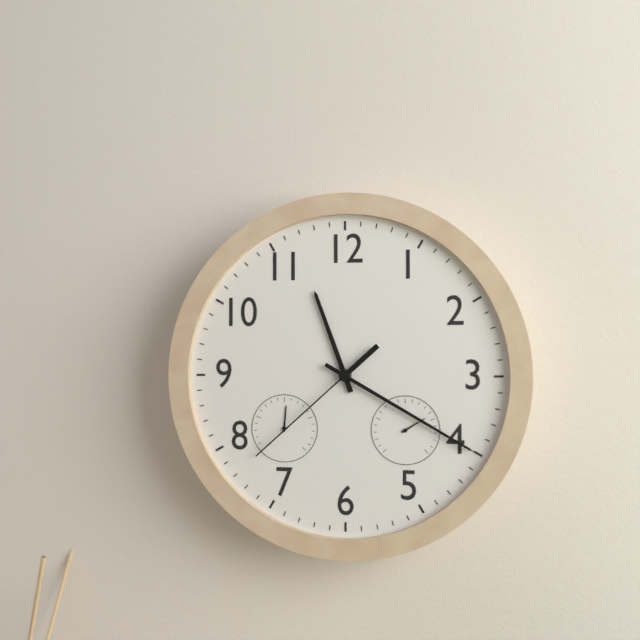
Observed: h=11 m=20 s=38
